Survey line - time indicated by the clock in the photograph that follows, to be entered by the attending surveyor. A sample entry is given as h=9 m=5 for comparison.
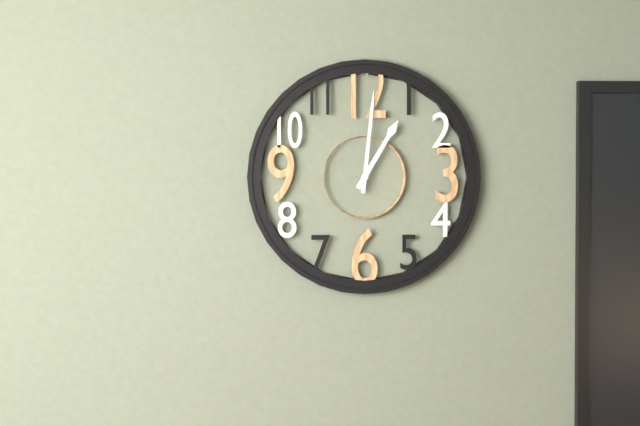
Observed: h=1 m=1
